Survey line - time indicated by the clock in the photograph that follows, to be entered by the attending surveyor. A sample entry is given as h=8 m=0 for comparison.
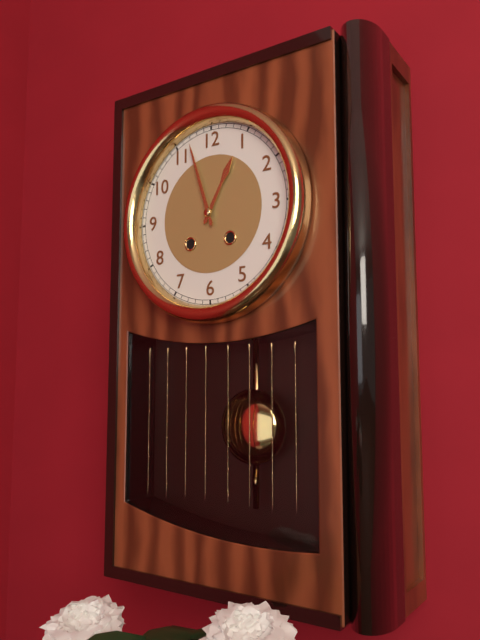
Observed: h=12 m=57
